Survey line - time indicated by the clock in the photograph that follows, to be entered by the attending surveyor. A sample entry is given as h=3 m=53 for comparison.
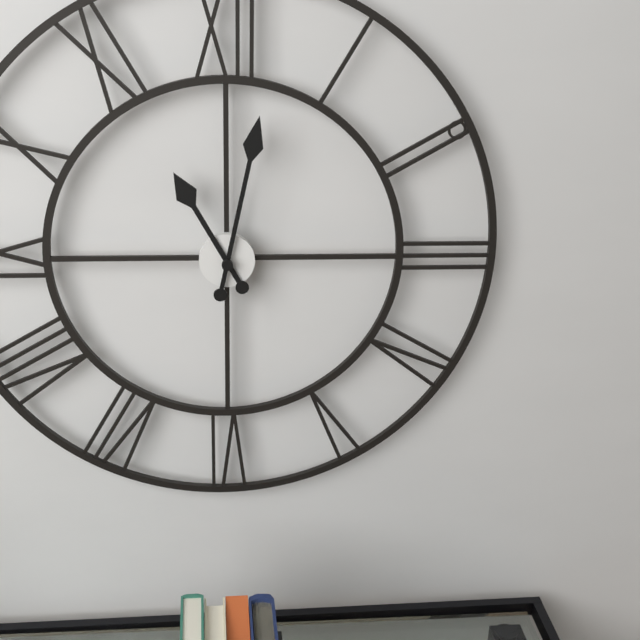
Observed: h=11 m=2
